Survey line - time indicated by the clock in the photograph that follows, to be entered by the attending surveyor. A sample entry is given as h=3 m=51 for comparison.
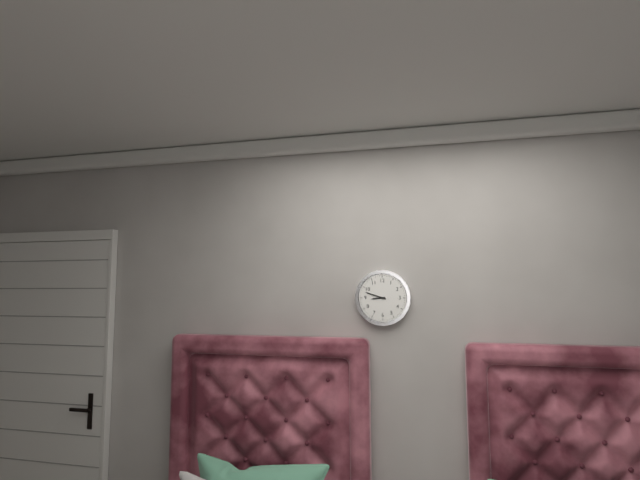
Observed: h=8 m=48
